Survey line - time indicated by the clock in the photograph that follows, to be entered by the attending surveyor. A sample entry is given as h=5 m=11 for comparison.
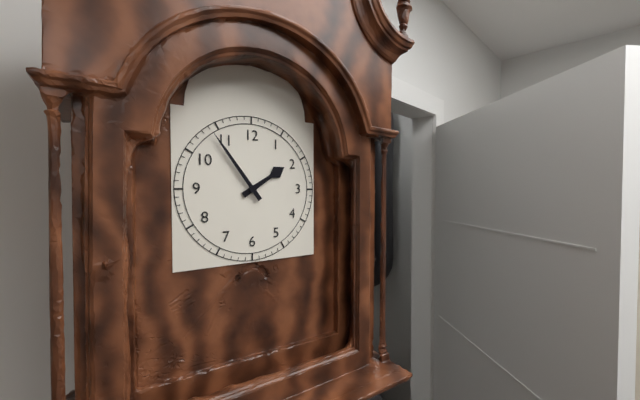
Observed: h=1 m=54
